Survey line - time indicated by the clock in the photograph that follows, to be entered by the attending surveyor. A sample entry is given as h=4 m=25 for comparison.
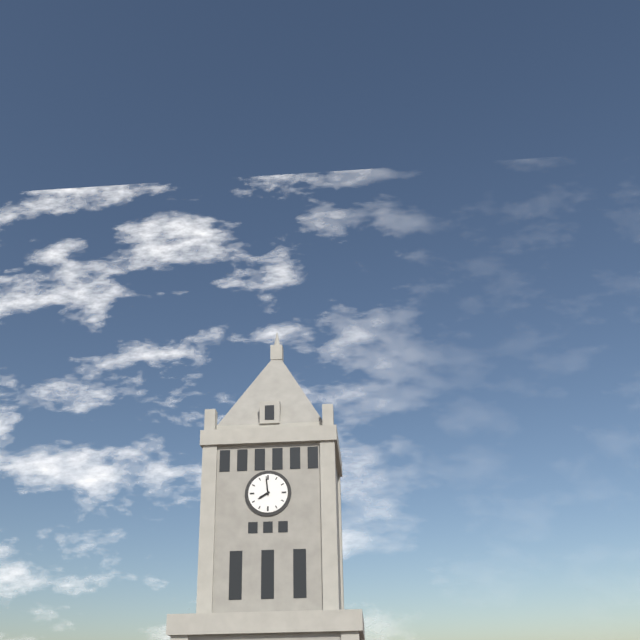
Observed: h=7 m=59
